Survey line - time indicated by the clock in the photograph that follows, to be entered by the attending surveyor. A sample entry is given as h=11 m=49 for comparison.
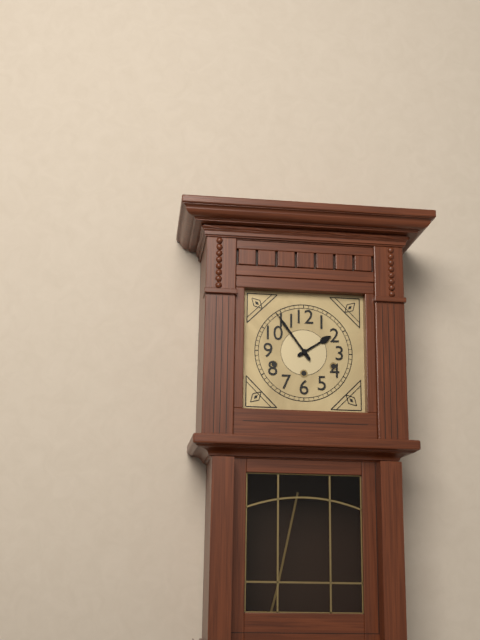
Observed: h=1 m=54
